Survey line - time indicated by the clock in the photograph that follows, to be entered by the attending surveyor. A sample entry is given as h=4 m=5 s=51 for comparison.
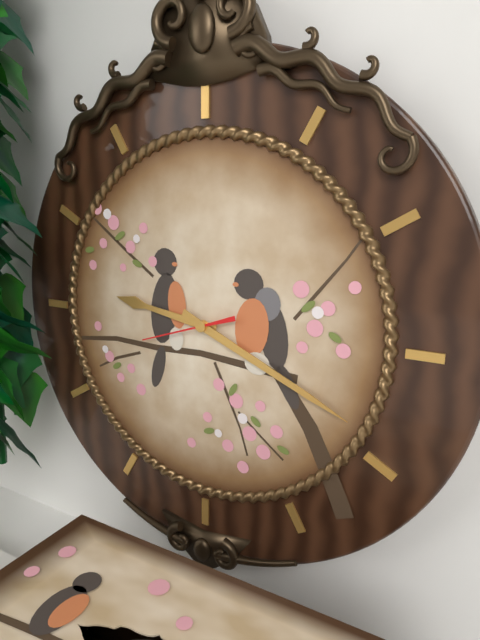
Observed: h=9 m=19 s=42
